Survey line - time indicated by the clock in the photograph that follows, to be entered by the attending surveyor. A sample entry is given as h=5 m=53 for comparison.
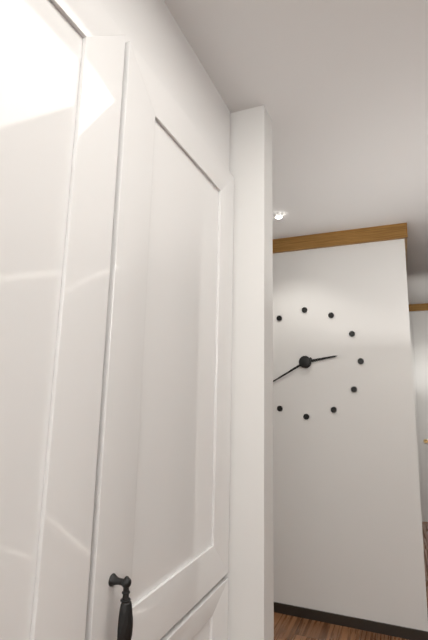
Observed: h=2 m=40
